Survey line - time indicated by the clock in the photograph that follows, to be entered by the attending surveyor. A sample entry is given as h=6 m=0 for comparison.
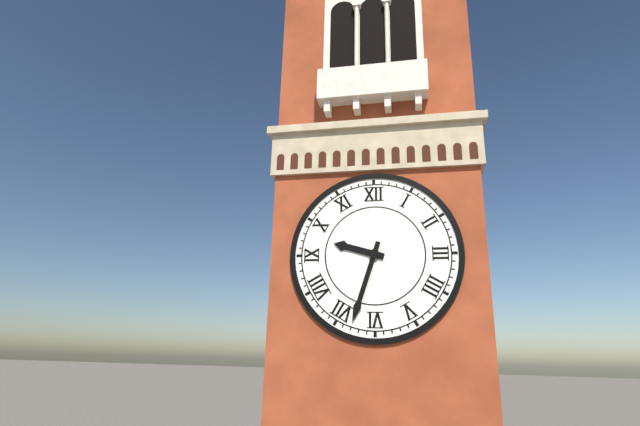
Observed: h=9 m=33
